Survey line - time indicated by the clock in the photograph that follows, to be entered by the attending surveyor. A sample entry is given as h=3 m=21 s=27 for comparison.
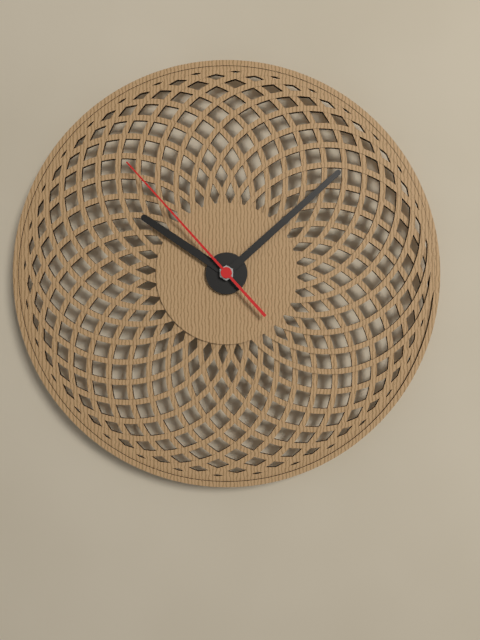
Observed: h=10 m=8 s=53
